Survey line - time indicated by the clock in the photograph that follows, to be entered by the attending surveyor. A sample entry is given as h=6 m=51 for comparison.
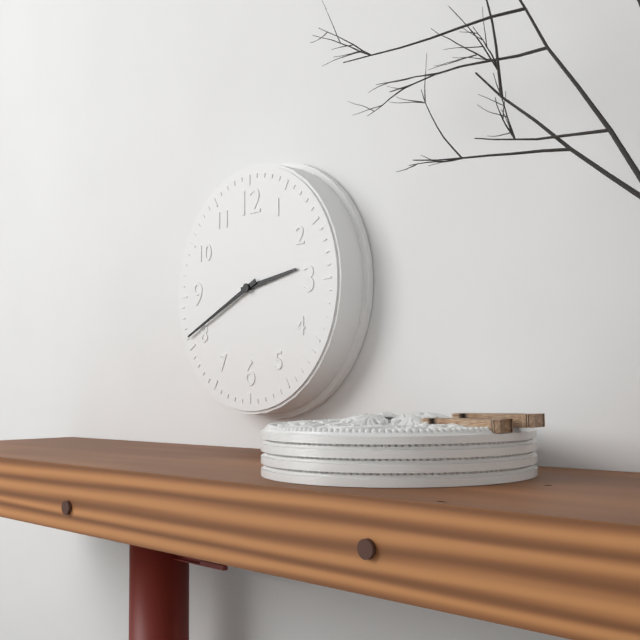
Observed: h=2 m=41
